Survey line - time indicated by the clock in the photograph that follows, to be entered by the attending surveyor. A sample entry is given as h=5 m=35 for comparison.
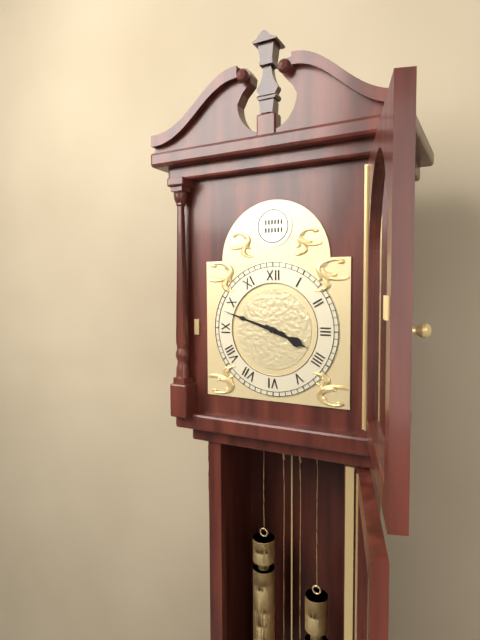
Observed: h=3 m=48
